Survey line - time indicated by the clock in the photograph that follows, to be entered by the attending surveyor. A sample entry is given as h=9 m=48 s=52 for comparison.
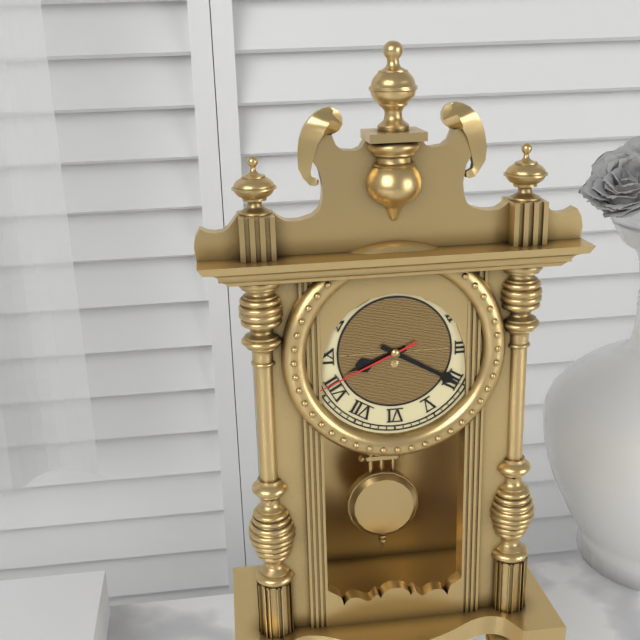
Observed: h=8 m=20 s=41
